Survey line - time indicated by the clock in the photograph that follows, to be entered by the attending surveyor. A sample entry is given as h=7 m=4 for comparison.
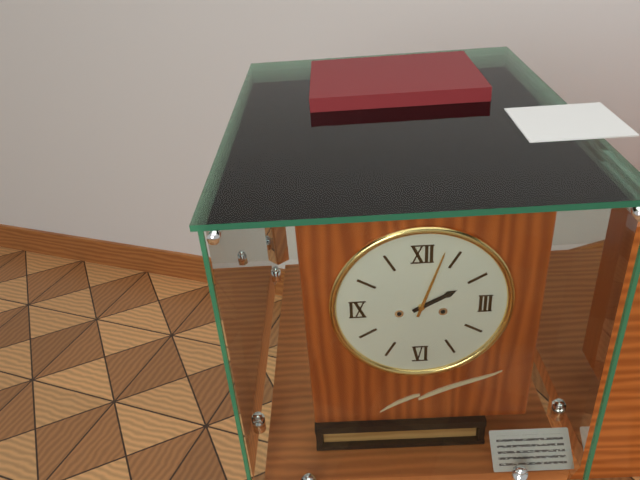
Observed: h=2 m=3
